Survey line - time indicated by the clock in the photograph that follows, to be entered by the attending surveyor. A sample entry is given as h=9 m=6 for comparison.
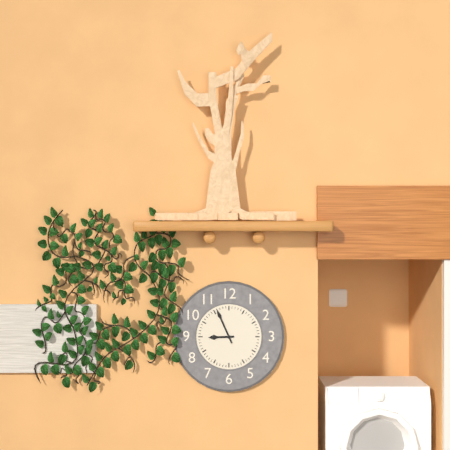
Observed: h=8 m=56
